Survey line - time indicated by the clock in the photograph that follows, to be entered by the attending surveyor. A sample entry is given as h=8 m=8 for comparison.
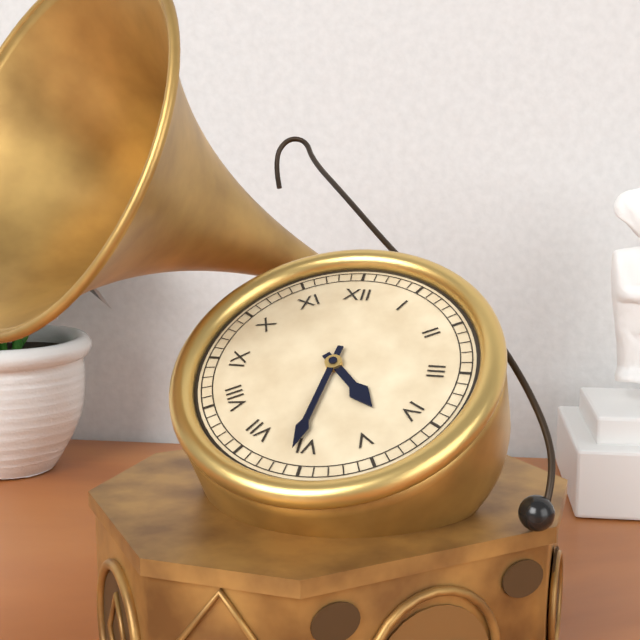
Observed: h=4 m=31
